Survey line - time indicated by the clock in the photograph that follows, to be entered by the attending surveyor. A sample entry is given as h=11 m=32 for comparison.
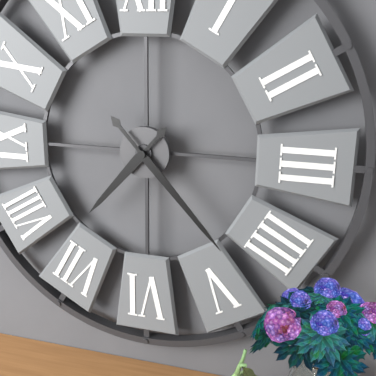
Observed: h=7 m=23
